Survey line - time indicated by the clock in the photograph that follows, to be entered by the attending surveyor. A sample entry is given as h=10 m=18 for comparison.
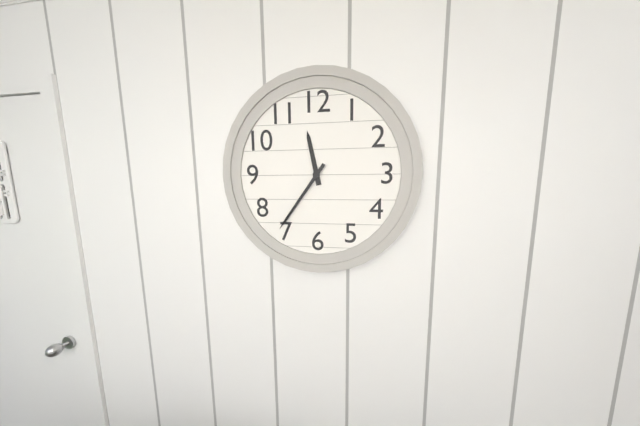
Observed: h=11 m=36
